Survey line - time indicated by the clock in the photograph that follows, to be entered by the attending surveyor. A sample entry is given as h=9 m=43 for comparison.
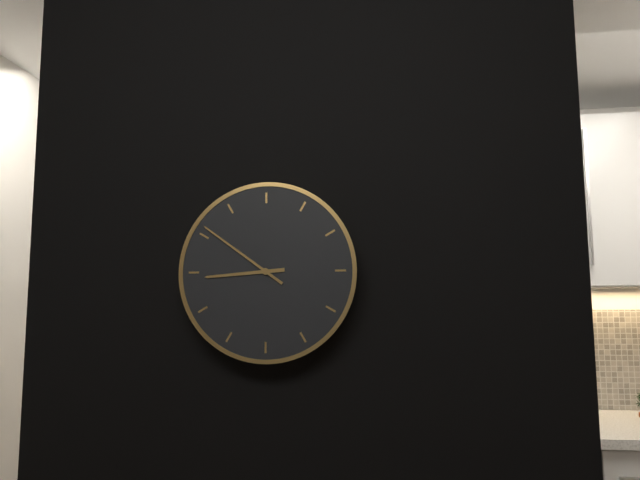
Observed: h=8 m=51
